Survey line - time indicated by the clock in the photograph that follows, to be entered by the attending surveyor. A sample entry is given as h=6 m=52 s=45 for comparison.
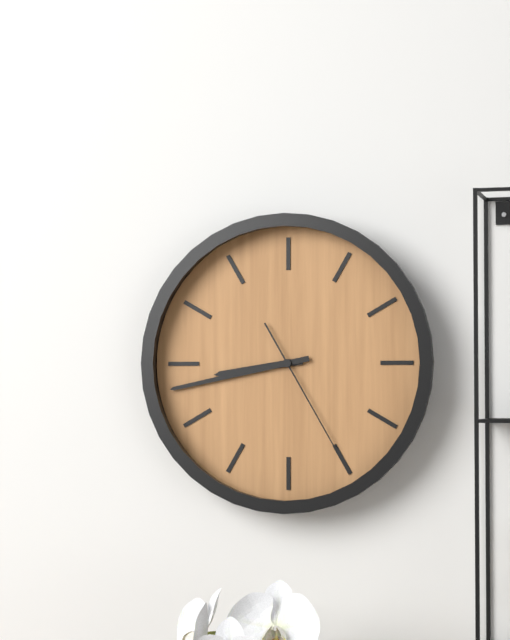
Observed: h=8 m=43 s=25
